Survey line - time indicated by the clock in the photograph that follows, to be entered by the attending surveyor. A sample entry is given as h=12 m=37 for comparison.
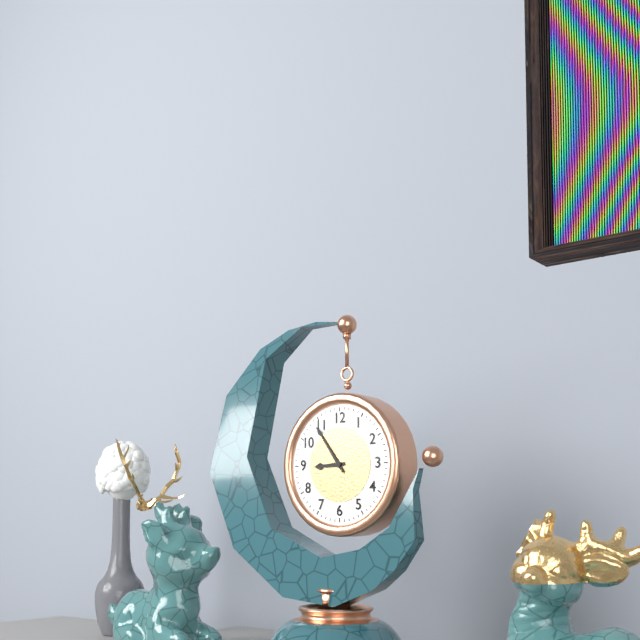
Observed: h=8 m=54
